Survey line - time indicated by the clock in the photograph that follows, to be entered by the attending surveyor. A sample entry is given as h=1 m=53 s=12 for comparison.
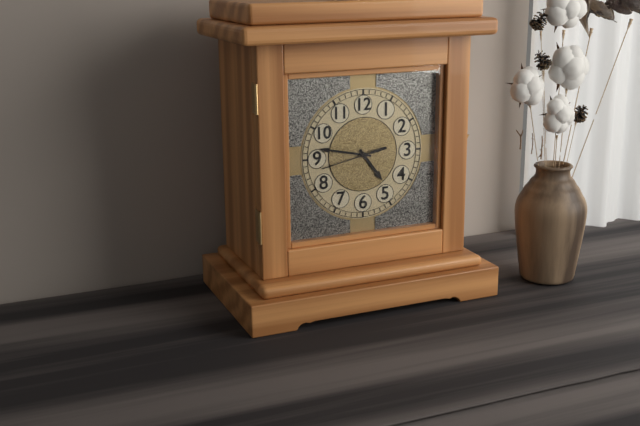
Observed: h=4 m=47 s=43
